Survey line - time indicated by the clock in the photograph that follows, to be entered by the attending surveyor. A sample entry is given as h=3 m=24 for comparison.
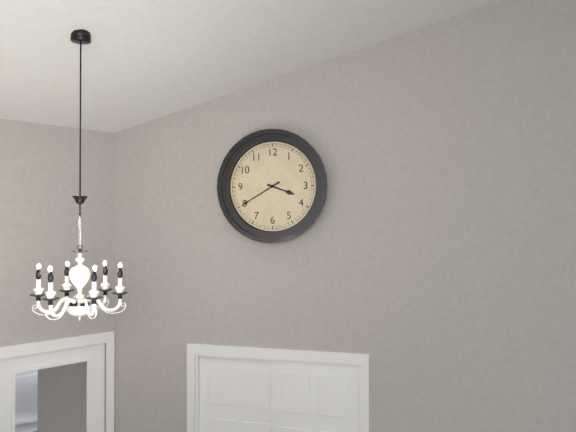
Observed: h=3 m=40
